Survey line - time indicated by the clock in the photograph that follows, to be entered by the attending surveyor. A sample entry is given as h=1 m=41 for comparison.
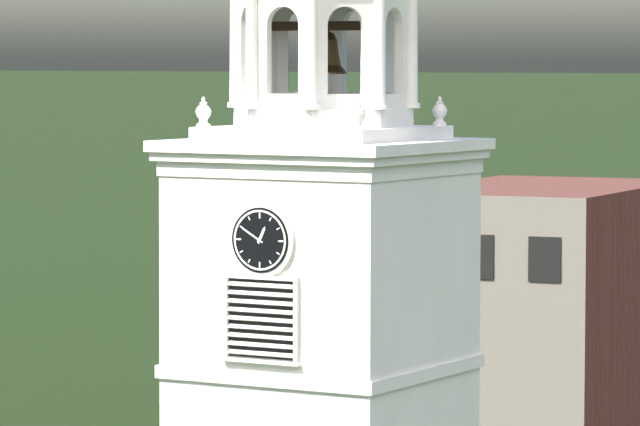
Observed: h=12 m=50
